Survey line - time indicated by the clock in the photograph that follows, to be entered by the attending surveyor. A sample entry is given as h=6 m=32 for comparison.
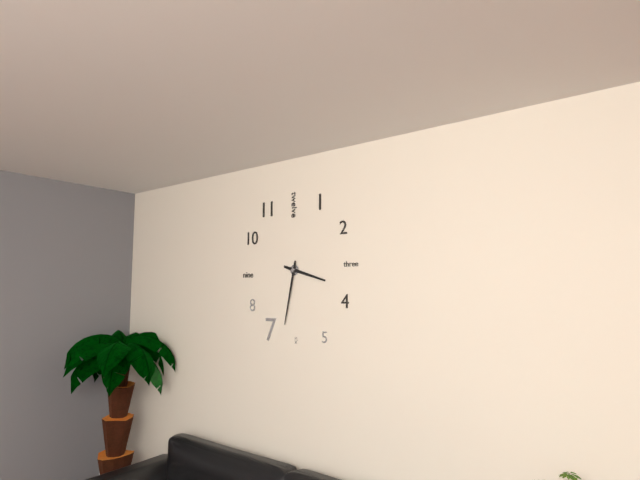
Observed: h=3 m=32
